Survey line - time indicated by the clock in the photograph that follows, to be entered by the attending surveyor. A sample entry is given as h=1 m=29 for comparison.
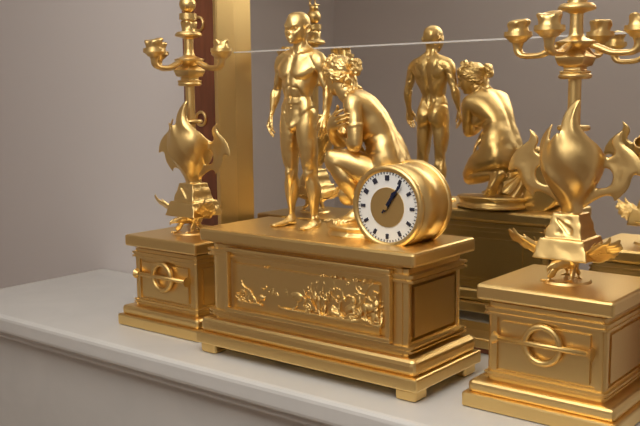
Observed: h=1 m=6
